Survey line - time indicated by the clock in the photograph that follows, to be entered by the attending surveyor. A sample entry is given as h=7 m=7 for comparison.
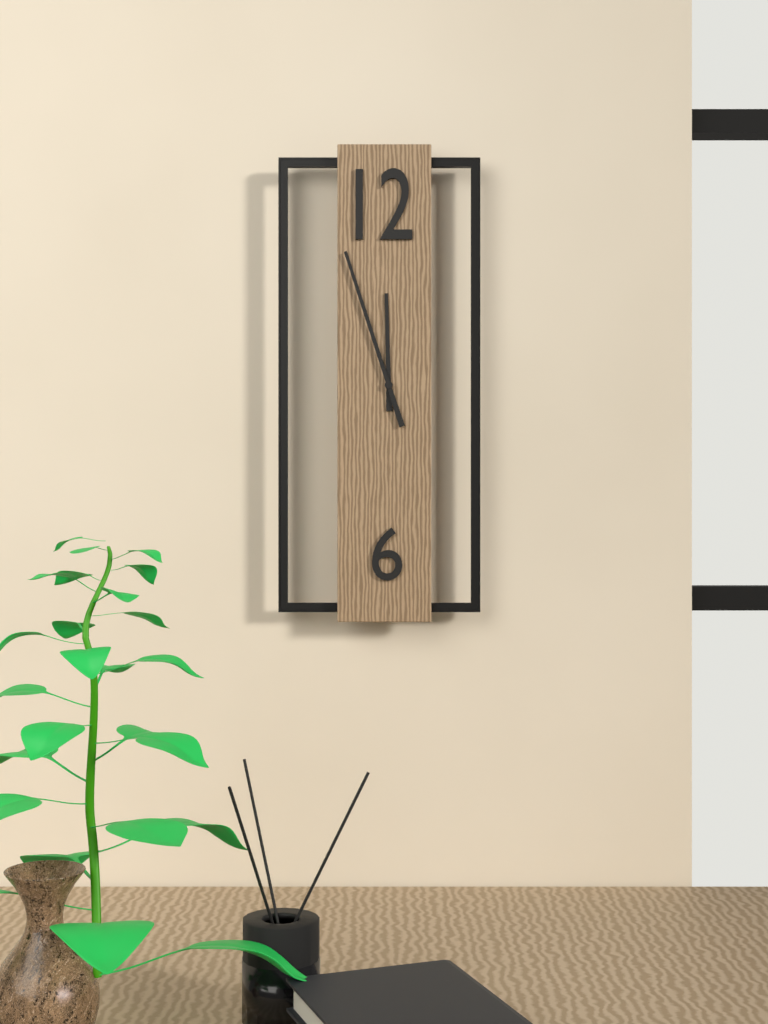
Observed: h=11 m=57
